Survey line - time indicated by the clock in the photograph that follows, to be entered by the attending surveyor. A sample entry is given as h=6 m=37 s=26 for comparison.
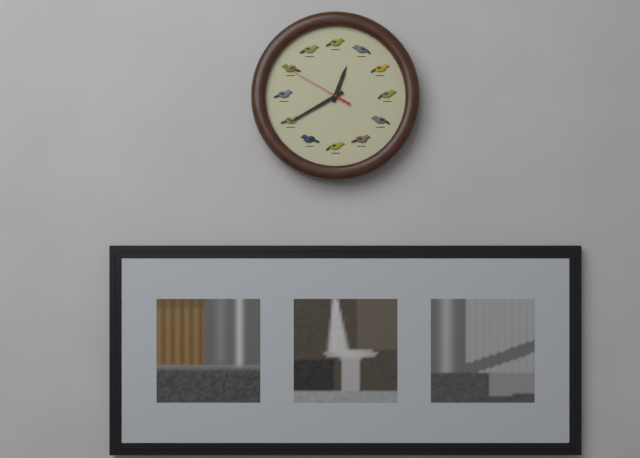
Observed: h=12 m=40 s=50
